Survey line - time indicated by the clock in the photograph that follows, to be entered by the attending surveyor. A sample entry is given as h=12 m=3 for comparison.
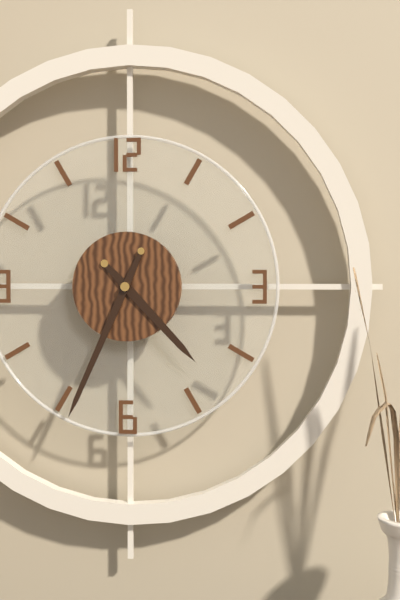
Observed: h=4 m=34
